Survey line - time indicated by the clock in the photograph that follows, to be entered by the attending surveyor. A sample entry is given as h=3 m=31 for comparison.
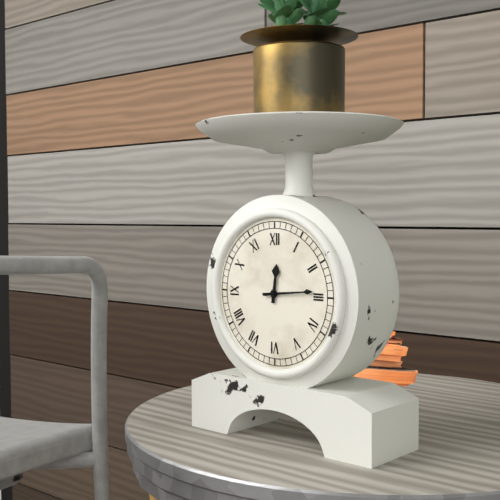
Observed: h=12 m=14
